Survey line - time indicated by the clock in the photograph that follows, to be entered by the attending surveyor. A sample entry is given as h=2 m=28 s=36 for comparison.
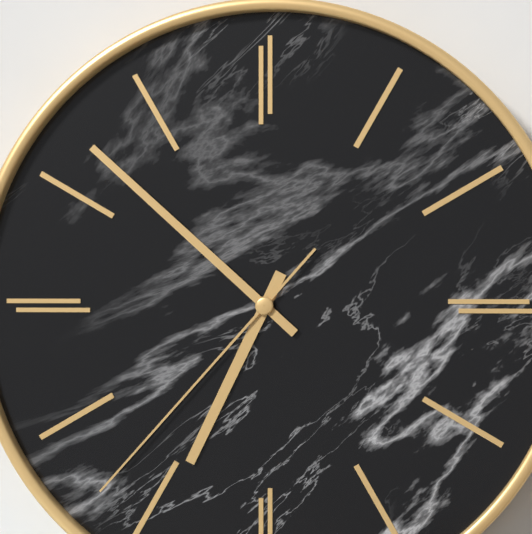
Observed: h=6 m=52 s=37
